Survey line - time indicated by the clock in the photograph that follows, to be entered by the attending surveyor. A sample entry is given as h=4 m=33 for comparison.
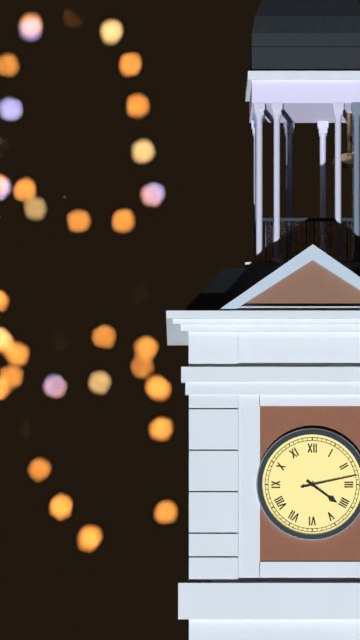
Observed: h=4 m=13
